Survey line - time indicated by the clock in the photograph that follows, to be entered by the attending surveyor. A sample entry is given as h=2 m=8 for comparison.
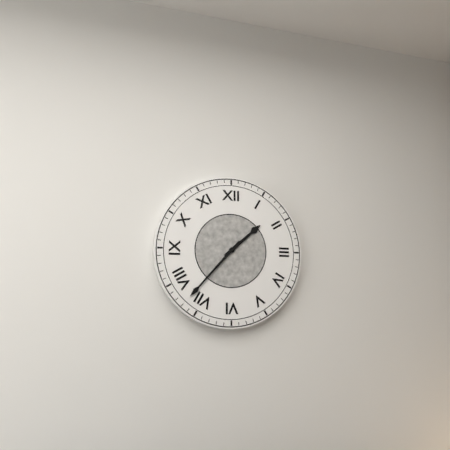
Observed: h=1 m=37
